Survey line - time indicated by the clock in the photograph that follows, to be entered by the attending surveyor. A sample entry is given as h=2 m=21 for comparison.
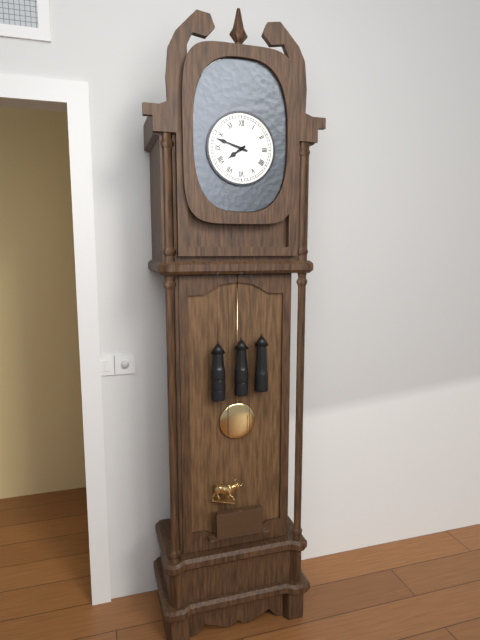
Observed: h=7 m=48
